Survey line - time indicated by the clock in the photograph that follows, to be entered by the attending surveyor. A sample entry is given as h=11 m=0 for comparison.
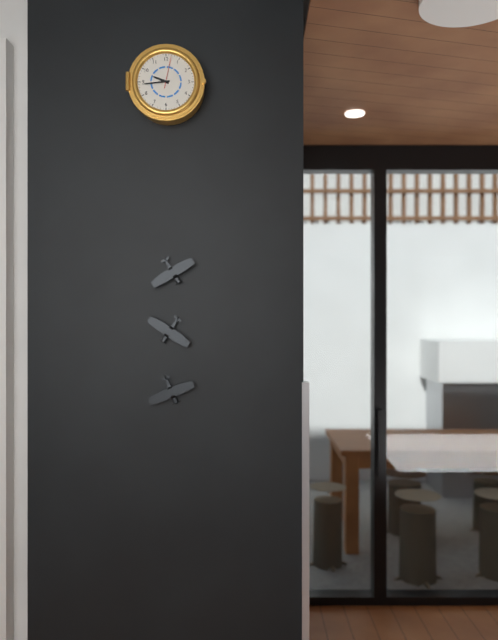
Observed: h=9 m=44
